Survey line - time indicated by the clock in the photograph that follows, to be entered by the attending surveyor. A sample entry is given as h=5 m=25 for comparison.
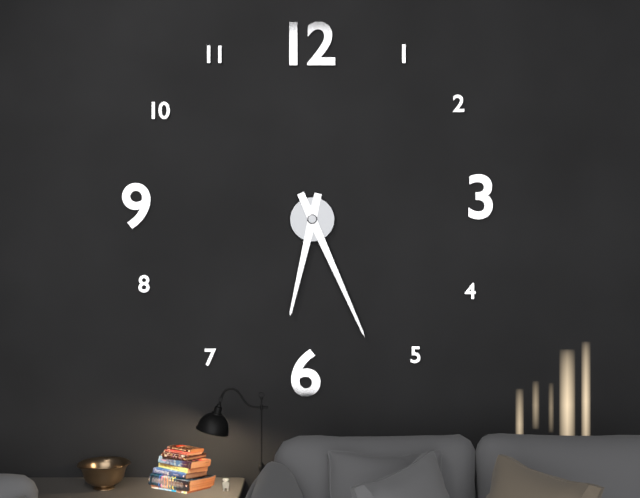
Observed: h=6 m=26
